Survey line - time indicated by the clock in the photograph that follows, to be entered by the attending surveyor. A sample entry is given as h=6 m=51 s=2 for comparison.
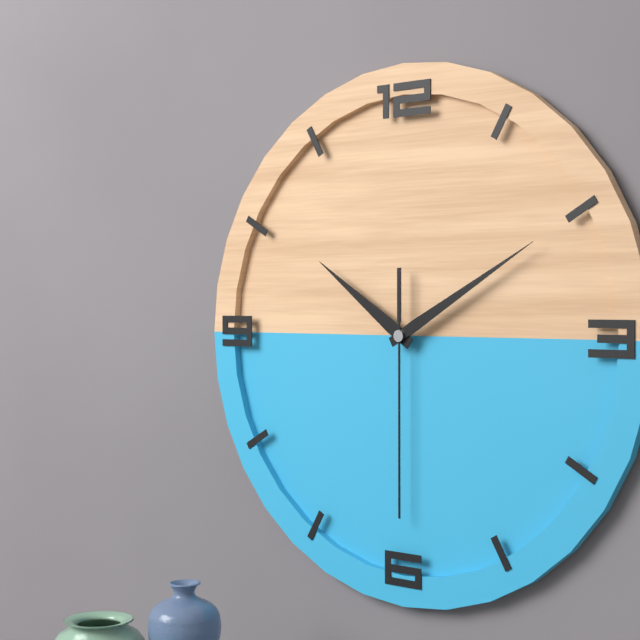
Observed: h=10 m=10 s=30
